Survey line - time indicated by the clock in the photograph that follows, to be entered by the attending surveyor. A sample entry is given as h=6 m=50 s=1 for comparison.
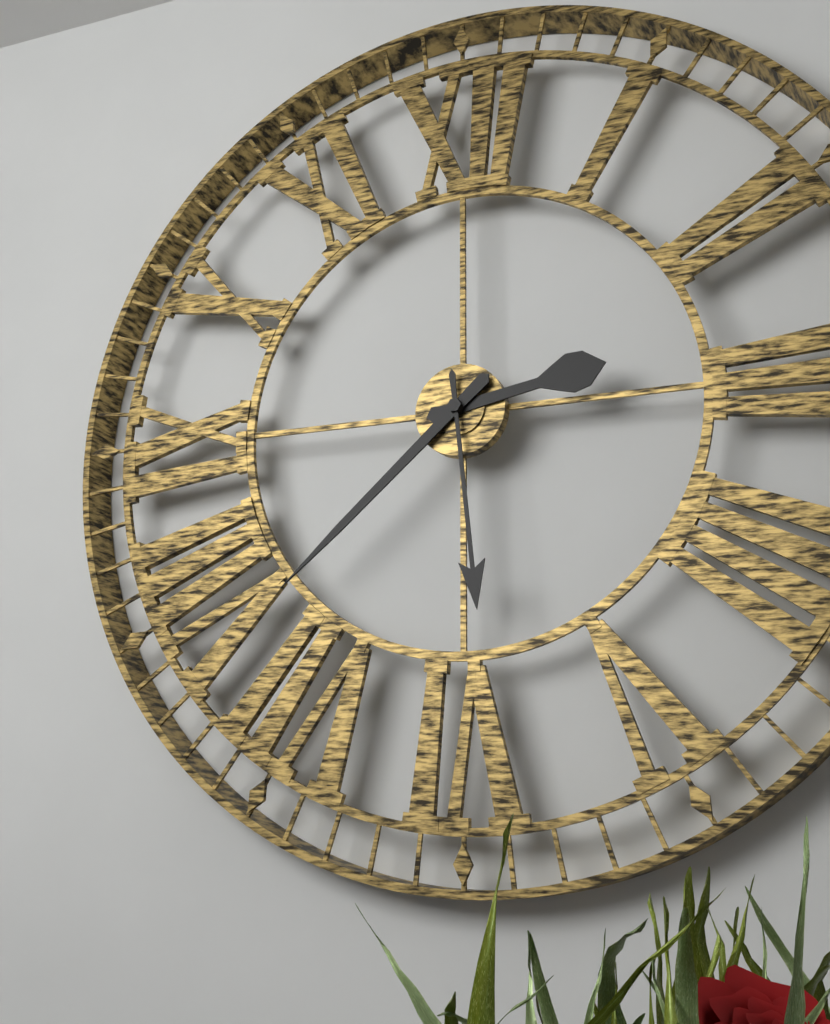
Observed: h=2 m=38 s=29
